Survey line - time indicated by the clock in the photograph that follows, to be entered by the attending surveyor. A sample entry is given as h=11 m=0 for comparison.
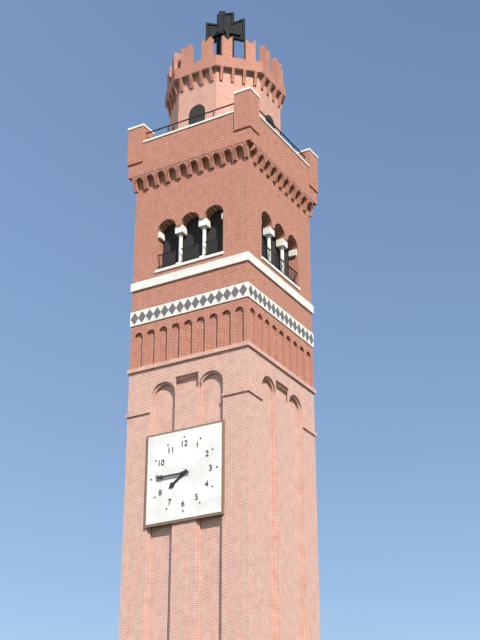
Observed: h=7 m=45
